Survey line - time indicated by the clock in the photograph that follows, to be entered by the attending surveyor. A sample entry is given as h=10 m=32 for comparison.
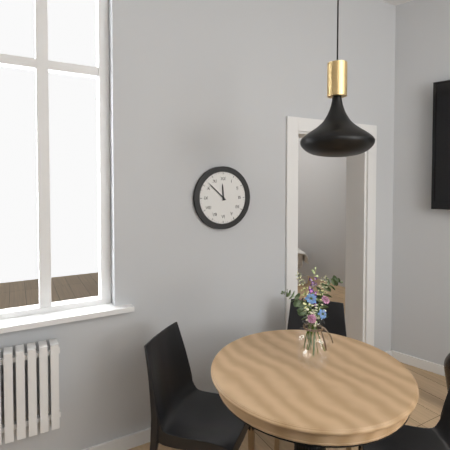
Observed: h=11 m=52
